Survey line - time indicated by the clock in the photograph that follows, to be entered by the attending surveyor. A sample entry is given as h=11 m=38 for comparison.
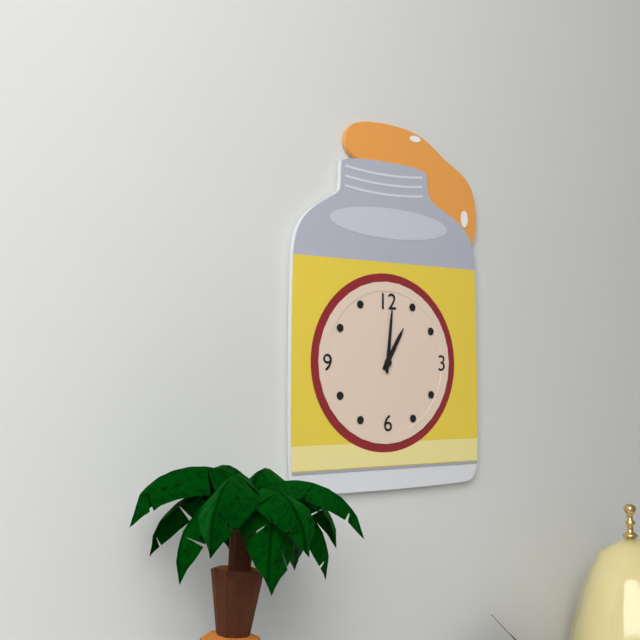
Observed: h=1 m=1
